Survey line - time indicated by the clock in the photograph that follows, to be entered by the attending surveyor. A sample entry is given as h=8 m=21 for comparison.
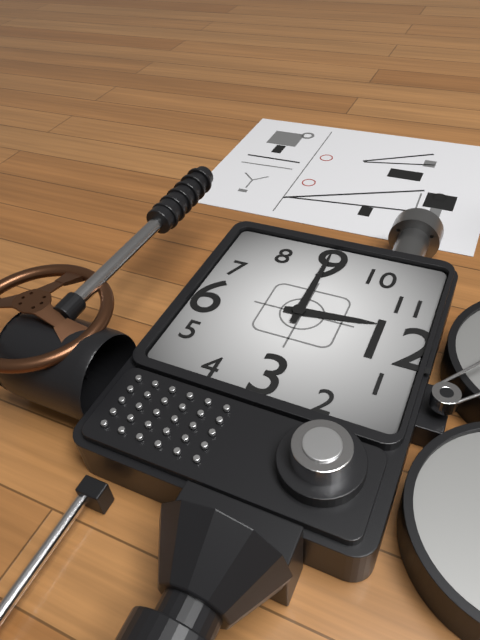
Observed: h=11 m=45
